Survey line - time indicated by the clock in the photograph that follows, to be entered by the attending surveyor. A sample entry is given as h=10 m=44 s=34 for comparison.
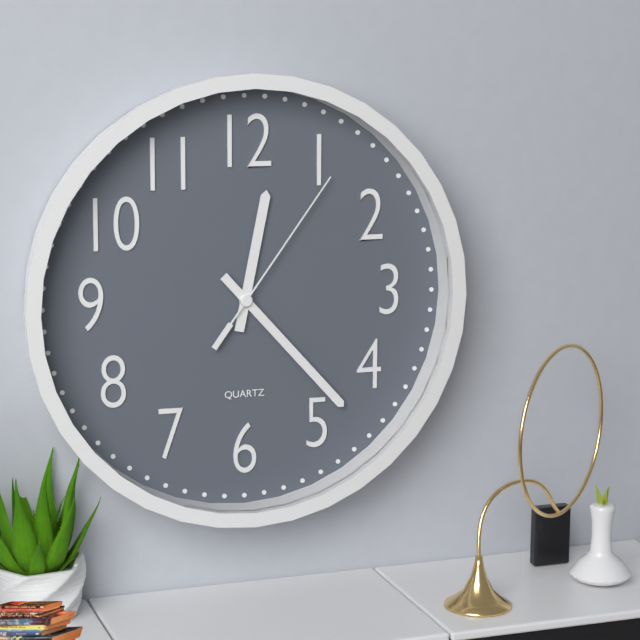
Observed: h=12 m=23 s=6
